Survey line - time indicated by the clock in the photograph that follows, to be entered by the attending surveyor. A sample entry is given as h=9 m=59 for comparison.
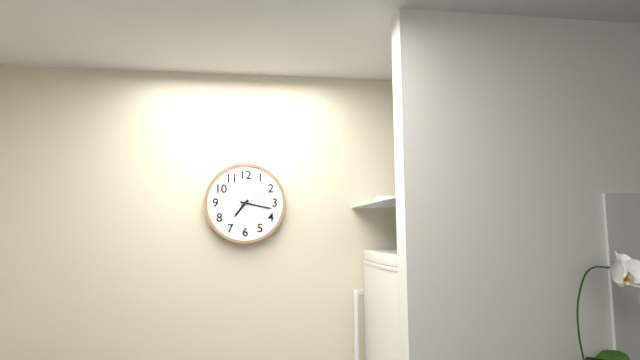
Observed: h=7 m=17
